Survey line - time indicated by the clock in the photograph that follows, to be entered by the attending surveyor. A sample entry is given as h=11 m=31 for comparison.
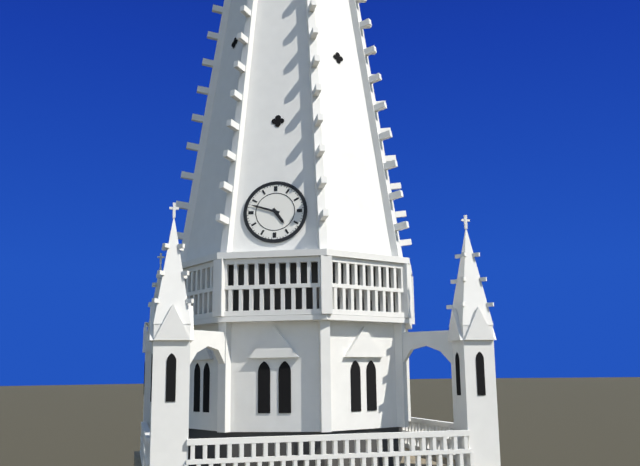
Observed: h=4 m=48
